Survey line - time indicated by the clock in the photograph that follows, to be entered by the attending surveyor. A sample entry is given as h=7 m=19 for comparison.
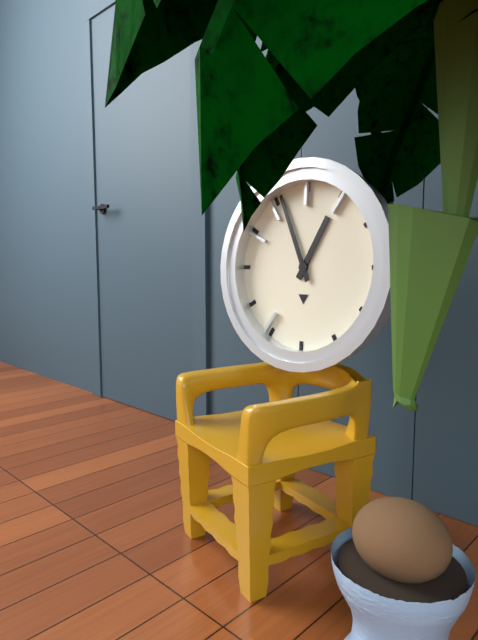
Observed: h=12 m=56
